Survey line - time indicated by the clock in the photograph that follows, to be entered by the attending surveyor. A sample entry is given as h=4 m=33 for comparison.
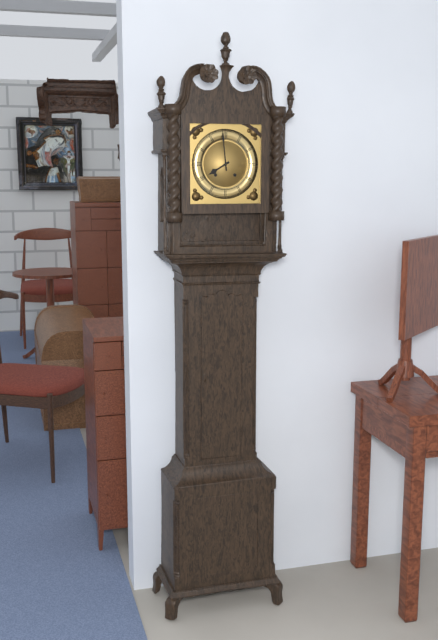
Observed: h=7 m=59
